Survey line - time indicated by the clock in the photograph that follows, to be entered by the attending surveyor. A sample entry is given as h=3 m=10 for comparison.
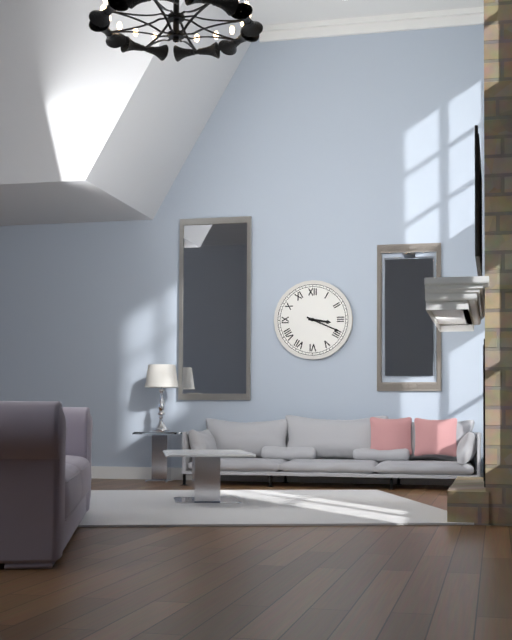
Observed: h=3 m=19
